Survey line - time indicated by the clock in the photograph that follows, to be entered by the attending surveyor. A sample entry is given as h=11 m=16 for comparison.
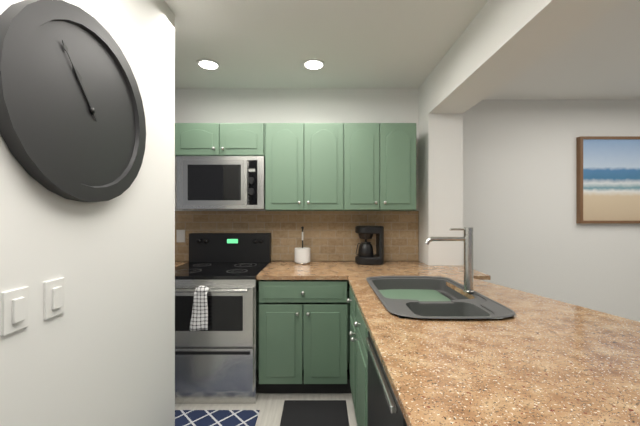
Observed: h=10 m=54
